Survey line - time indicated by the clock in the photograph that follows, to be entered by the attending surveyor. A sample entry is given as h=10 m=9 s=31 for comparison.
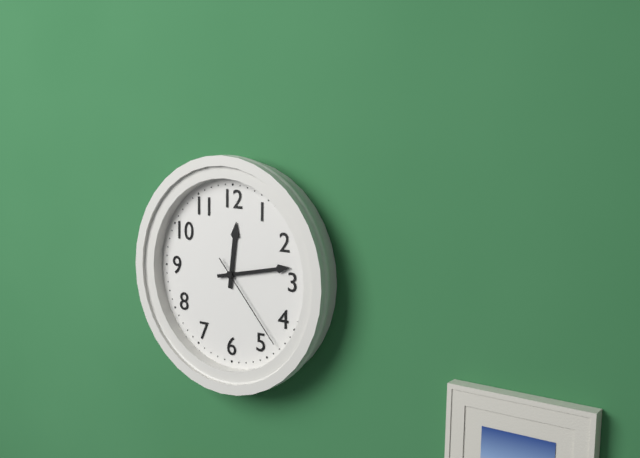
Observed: h=12 m=13 s=23
